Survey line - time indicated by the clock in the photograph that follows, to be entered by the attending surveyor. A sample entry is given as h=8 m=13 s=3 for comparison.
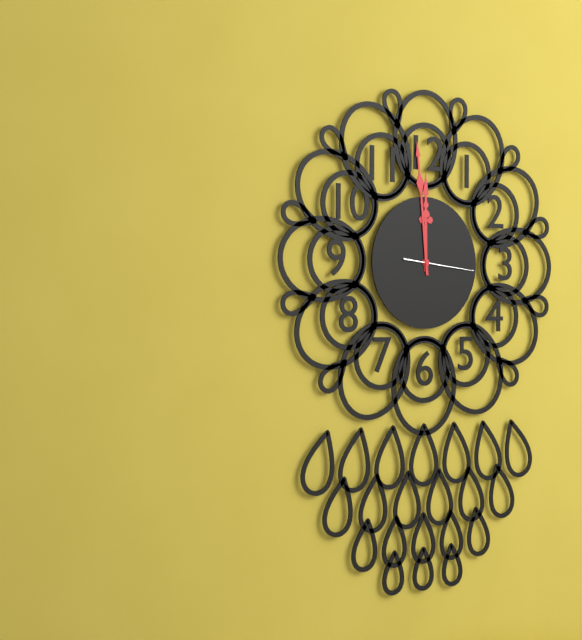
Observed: h=11 m=59 s=16
